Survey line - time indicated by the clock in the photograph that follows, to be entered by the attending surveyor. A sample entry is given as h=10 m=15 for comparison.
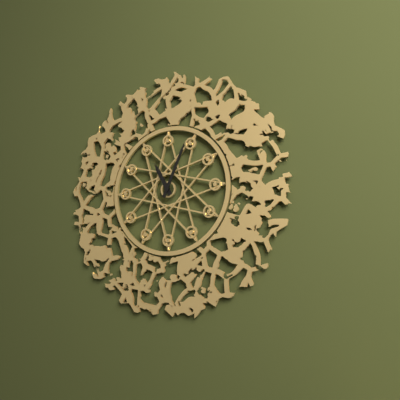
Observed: h=11 m=4
